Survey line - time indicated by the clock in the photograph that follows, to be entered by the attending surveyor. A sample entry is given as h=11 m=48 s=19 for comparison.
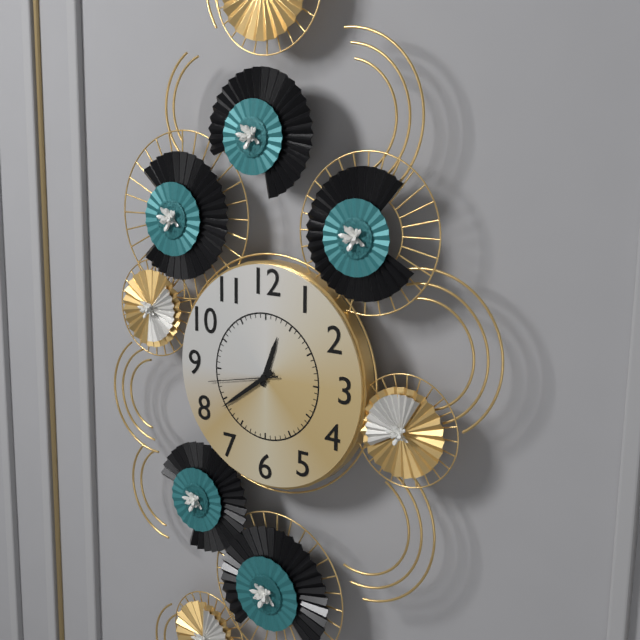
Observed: h=12 m=39 s=43
